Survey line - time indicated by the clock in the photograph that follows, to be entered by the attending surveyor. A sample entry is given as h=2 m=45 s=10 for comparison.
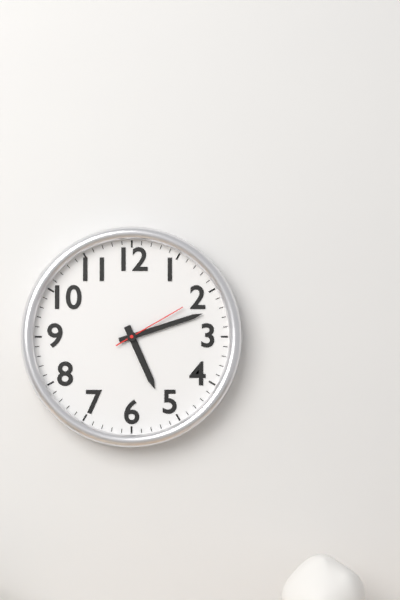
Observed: h=5 m=12 s=10
